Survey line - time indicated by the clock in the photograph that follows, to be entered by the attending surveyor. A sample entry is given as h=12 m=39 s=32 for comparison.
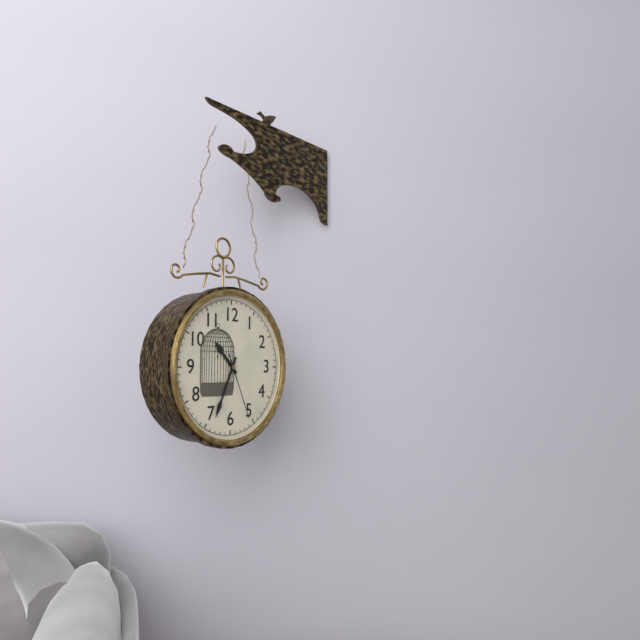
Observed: h=10 m=34 s=26
